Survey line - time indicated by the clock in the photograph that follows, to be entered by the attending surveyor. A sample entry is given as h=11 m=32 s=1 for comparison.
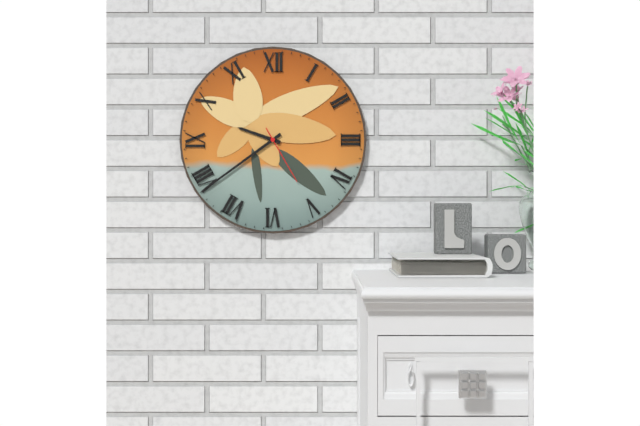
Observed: h=9 m=39 s=25
